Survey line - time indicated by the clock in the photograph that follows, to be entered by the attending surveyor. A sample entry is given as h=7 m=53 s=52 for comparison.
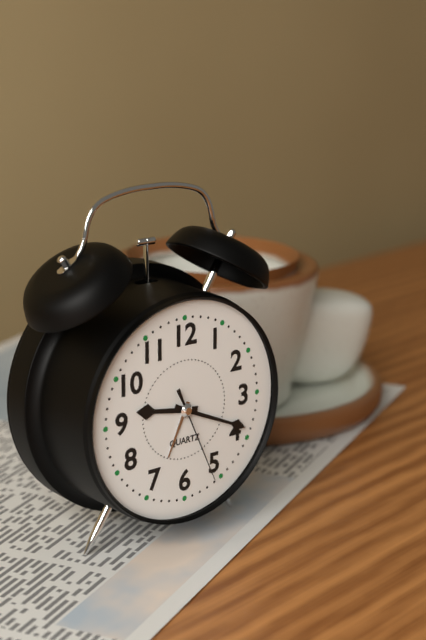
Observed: h=9 m=19 s=26
